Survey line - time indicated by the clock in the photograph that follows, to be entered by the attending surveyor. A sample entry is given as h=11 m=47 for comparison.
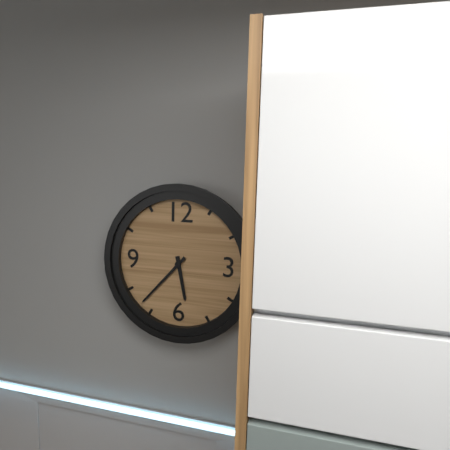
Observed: h=5 m=37
